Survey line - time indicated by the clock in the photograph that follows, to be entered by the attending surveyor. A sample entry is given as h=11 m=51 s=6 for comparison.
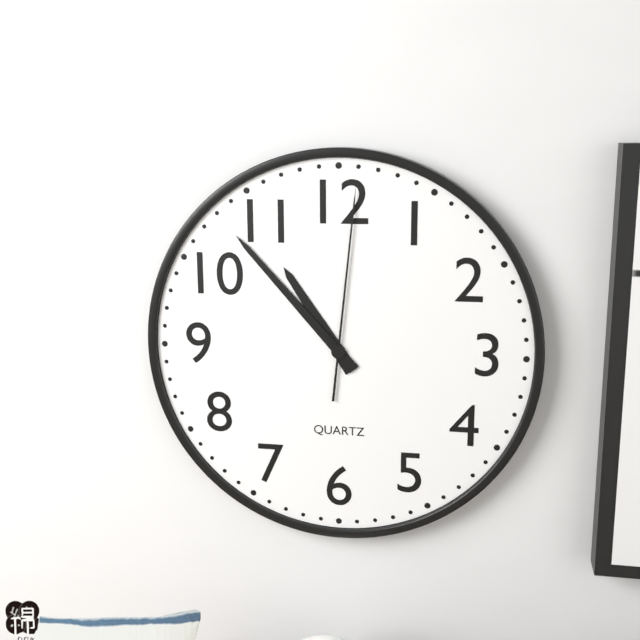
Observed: h=10 m=53 s=1
